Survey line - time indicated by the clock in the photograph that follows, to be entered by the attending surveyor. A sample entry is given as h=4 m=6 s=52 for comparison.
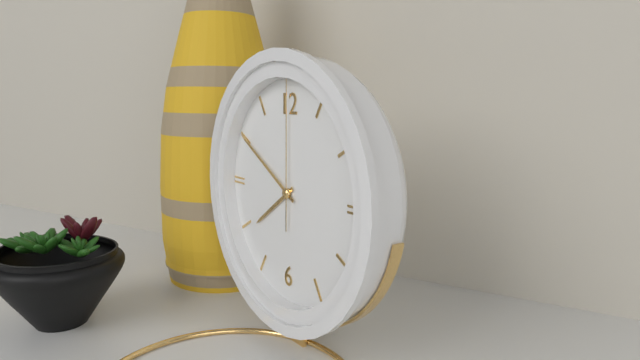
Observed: h=7 m=50 s=0
